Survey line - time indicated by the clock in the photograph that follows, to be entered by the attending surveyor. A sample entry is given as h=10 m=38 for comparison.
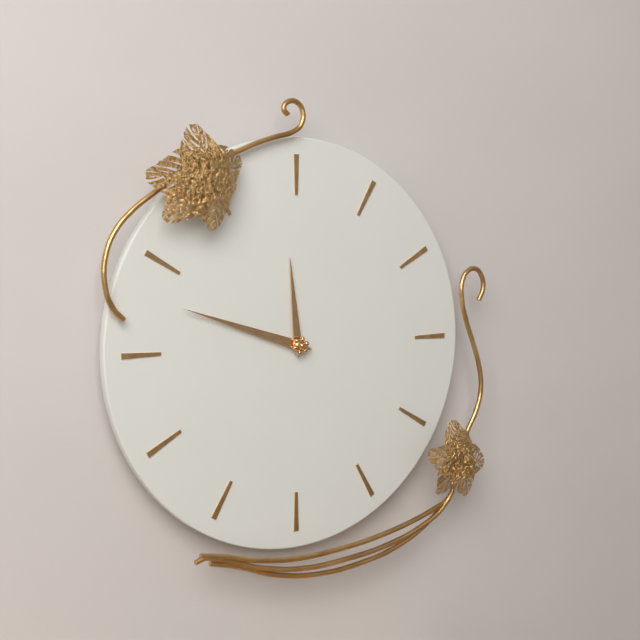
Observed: h=11 m=48
